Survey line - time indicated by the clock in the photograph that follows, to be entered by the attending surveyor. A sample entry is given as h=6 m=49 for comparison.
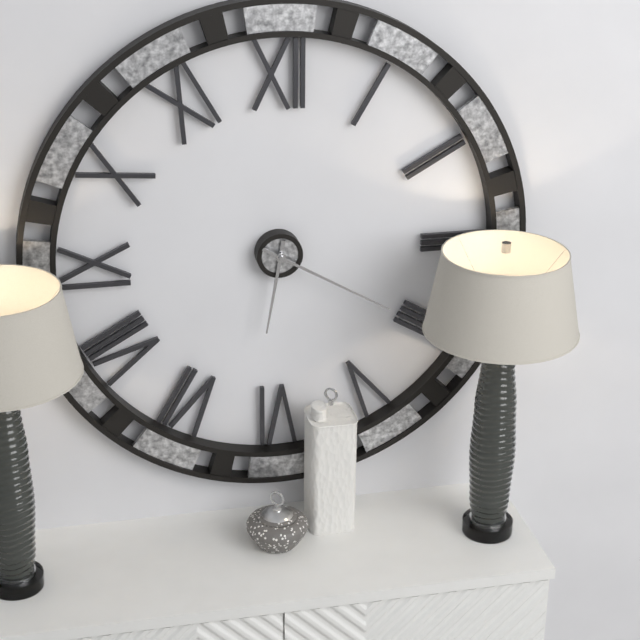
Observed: h=6 m=20
